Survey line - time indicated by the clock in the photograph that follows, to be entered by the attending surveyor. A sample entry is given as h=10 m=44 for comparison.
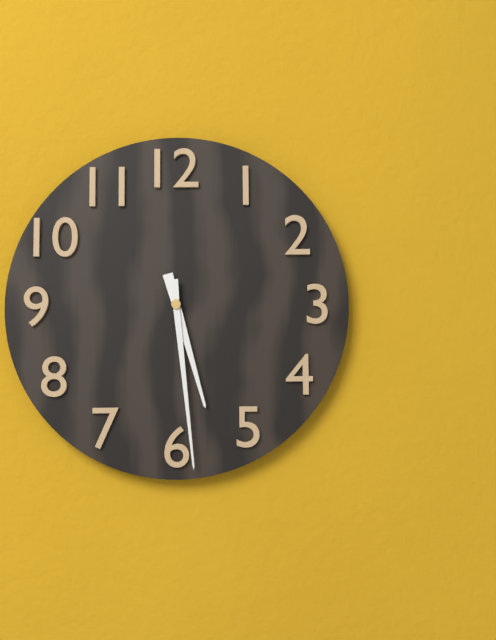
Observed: h=5 m=29
